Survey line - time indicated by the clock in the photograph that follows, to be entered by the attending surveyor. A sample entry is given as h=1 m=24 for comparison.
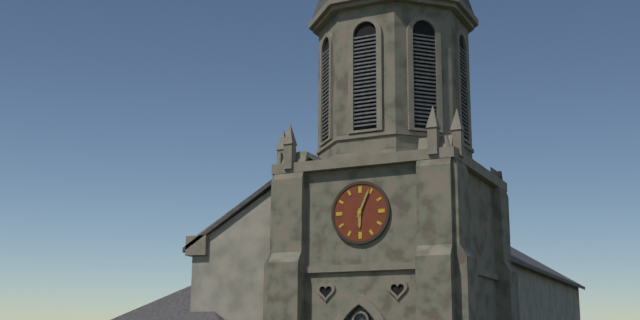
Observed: h=6 m=4
